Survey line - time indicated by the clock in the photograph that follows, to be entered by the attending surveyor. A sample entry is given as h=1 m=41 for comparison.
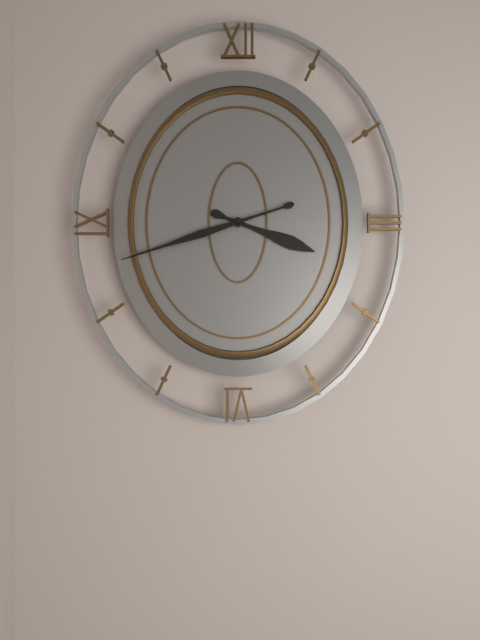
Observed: h=3 m=42
